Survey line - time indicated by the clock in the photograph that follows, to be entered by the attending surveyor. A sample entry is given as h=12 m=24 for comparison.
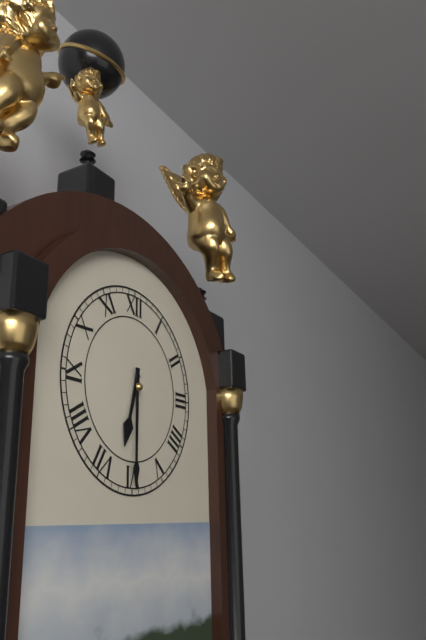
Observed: h=6 m=30
